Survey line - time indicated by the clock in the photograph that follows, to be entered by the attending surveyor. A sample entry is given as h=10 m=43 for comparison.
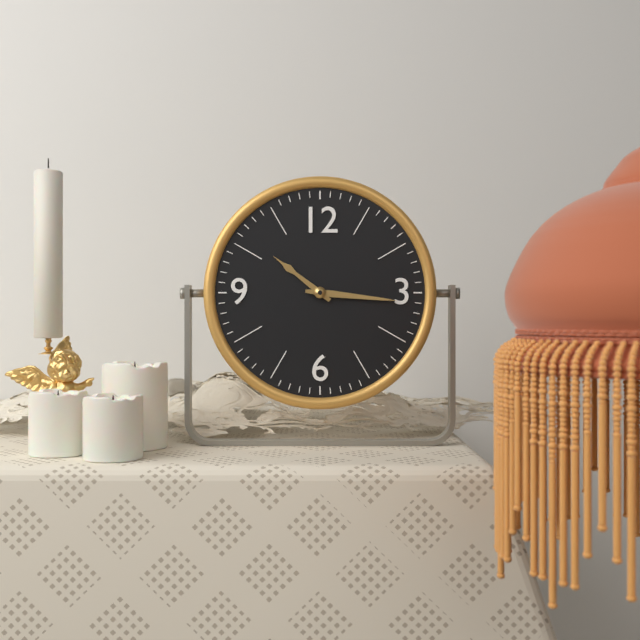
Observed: h=10 m=16
